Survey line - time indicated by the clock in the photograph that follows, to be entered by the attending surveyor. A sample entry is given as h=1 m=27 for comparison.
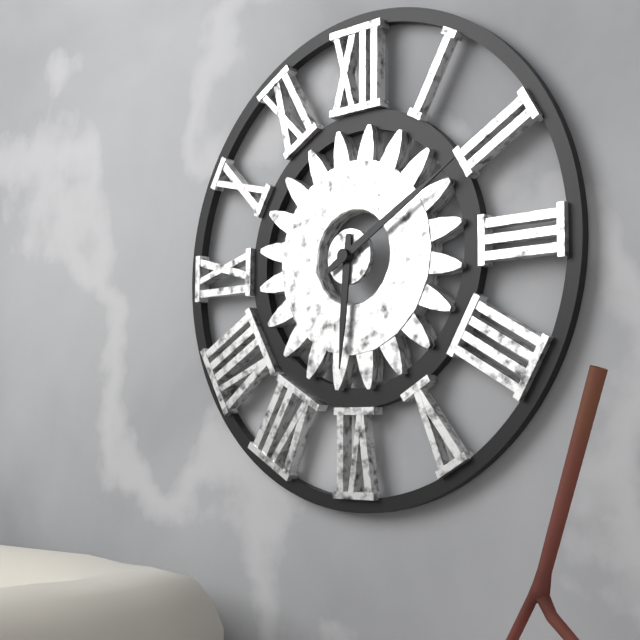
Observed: h=6 m=10
